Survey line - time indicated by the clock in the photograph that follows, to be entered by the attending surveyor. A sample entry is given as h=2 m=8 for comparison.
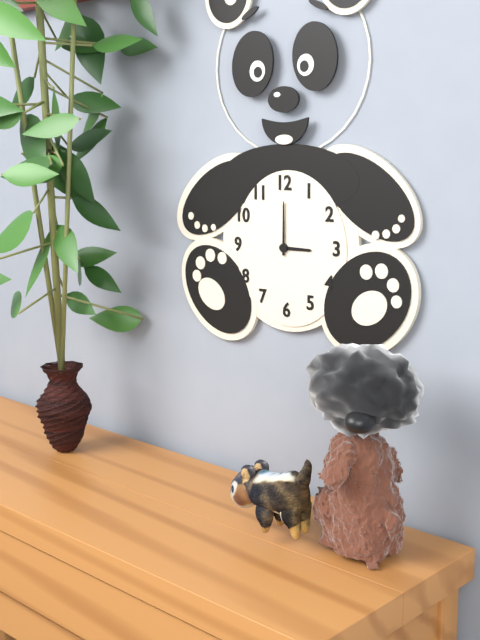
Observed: h=3 m=0
